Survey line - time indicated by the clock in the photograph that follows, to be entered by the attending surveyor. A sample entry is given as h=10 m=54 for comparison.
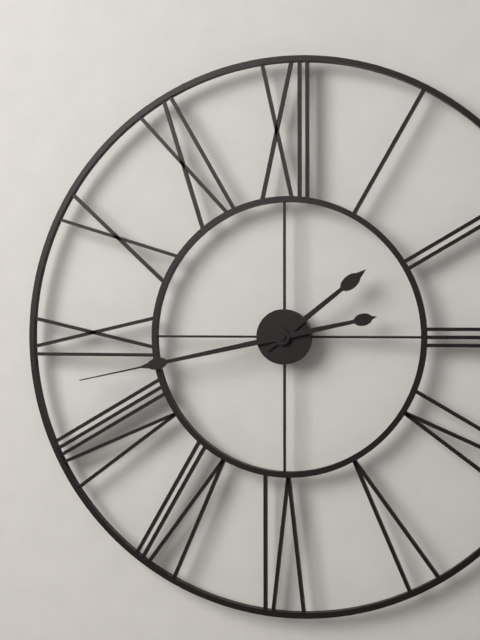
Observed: h=1 m=43
